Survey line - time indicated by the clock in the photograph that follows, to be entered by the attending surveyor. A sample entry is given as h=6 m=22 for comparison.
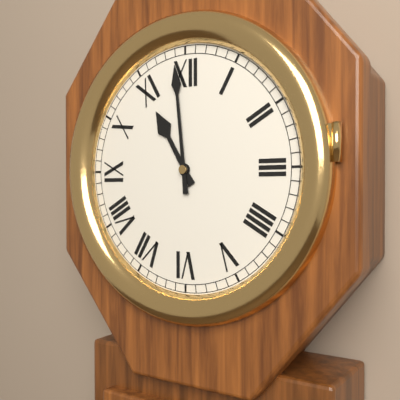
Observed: h=10 m=59
